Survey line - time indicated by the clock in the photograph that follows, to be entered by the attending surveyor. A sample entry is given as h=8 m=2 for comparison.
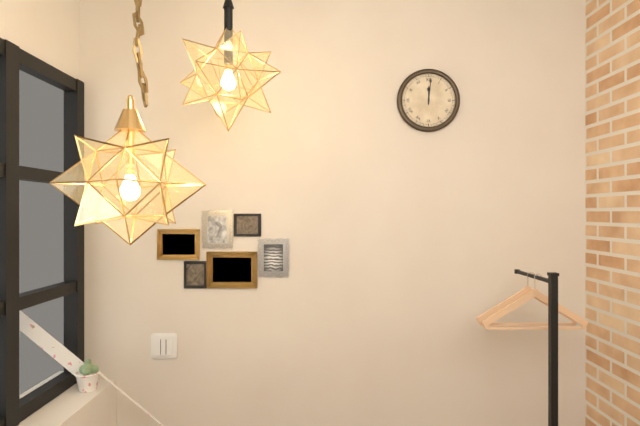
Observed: h=12 m=1
